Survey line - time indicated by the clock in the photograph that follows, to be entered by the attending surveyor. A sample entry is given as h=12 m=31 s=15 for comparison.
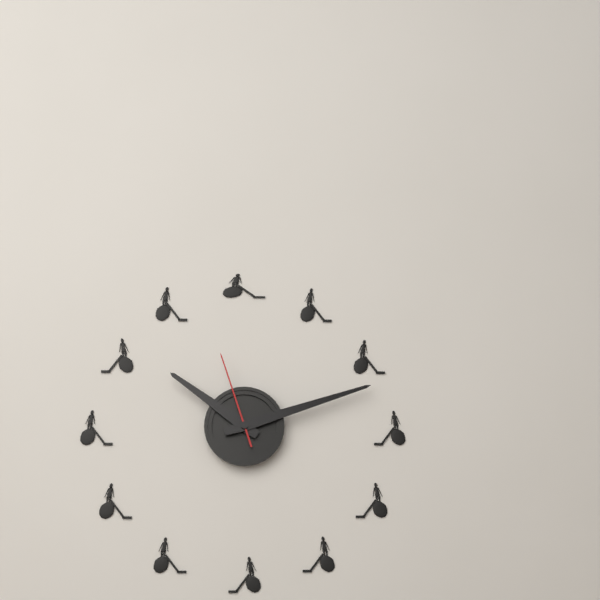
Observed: h=10 m=12 s=57
